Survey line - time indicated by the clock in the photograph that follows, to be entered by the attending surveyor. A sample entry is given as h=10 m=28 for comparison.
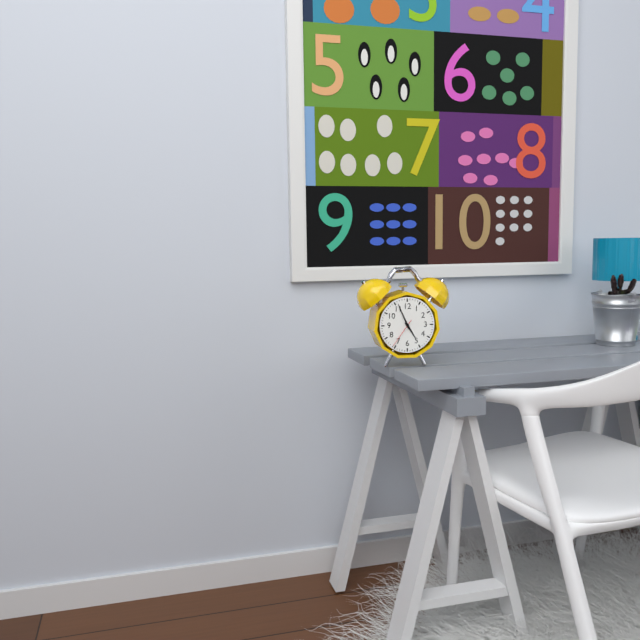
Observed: h=4 m=56
